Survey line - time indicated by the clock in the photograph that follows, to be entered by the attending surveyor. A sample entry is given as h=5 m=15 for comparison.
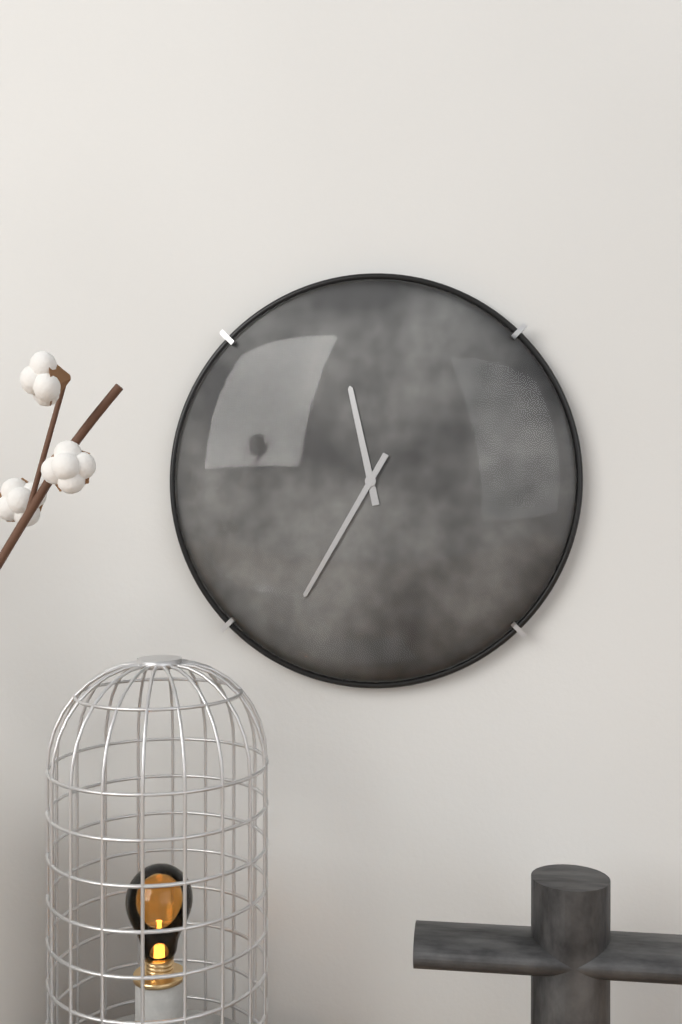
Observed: h=11 m=35
